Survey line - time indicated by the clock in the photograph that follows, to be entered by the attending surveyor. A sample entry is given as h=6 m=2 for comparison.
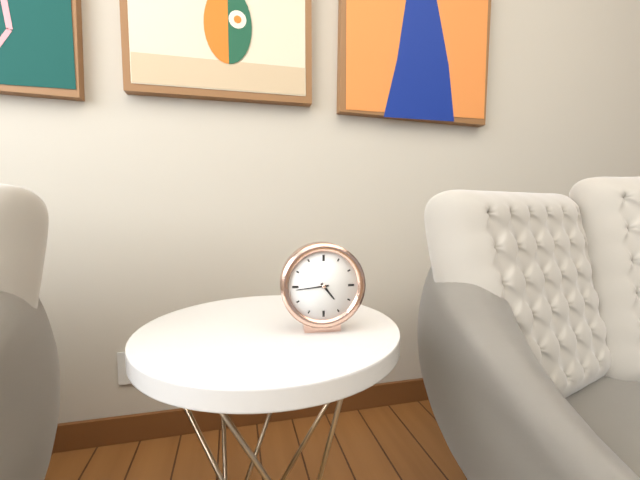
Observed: h=4 m=44
